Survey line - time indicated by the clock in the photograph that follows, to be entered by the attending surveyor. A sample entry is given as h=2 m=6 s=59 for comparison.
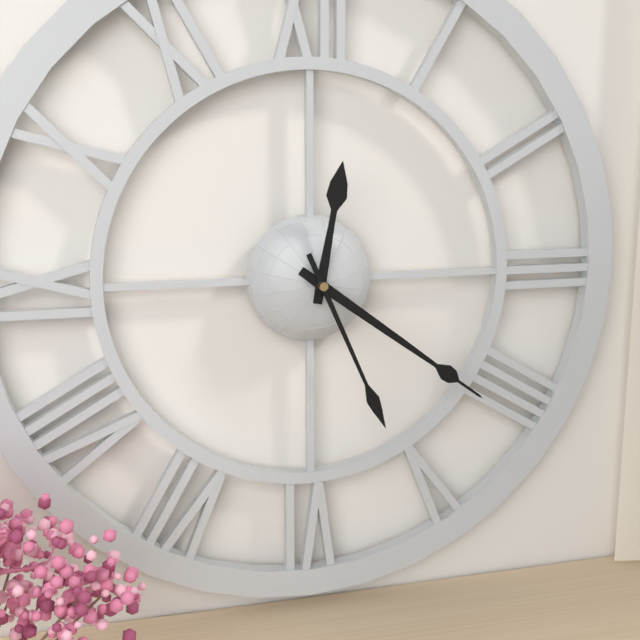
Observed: h=12 m=21 s=26
